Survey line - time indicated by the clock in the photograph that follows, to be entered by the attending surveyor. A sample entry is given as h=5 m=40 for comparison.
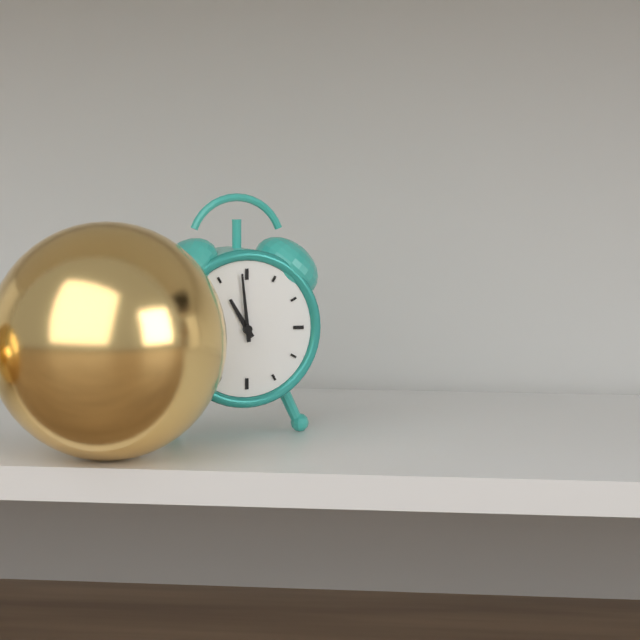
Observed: h=10 m=59
